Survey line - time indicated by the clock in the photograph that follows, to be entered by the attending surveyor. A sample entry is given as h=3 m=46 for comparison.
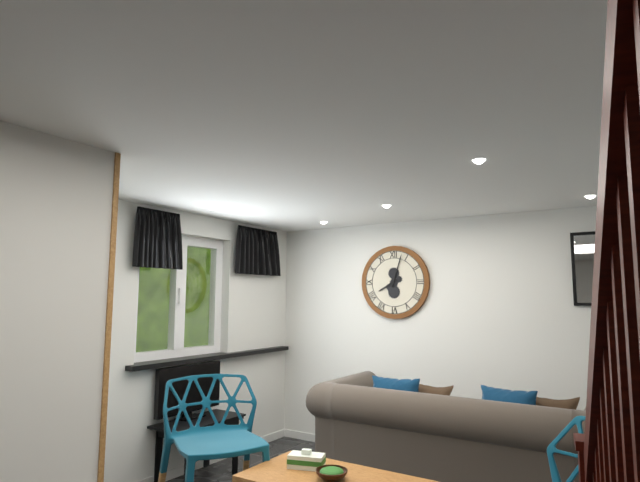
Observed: h=8 m=3
